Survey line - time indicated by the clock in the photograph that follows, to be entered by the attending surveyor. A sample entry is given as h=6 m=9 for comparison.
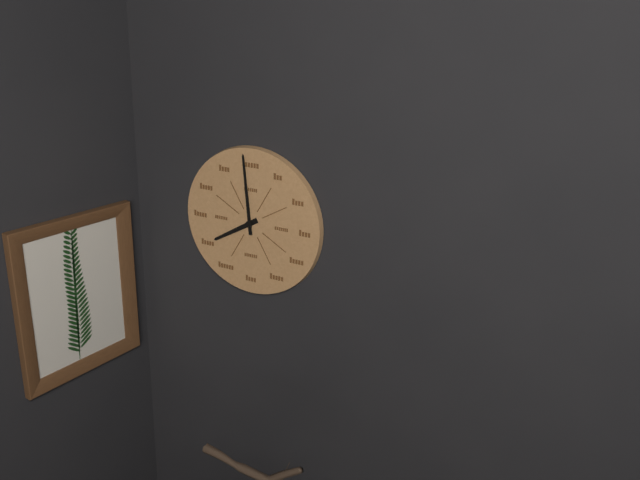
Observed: h=7 m=59
